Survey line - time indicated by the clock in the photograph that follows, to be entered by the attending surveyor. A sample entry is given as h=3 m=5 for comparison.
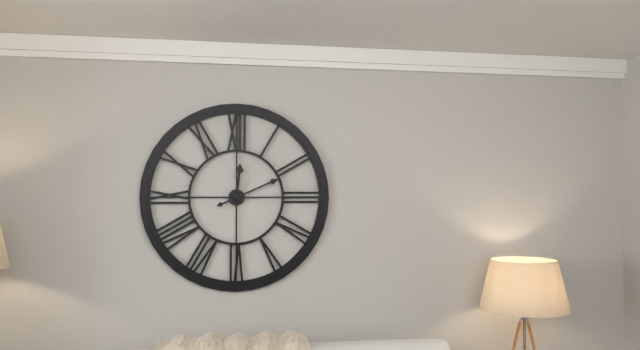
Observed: h=12 m=11
